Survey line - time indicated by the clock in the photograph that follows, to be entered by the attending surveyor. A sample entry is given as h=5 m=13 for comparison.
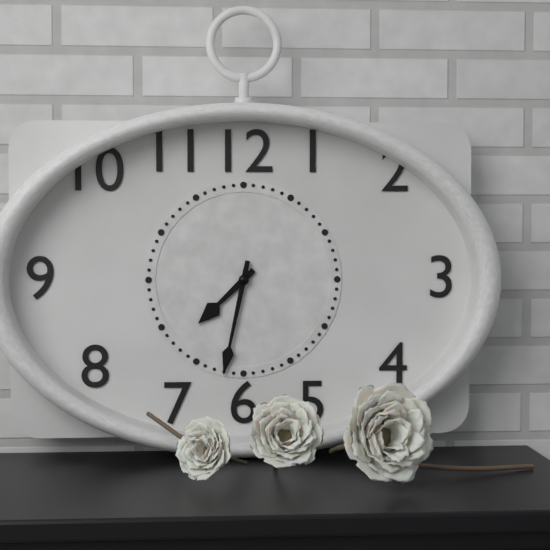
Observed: h=7 m=32
